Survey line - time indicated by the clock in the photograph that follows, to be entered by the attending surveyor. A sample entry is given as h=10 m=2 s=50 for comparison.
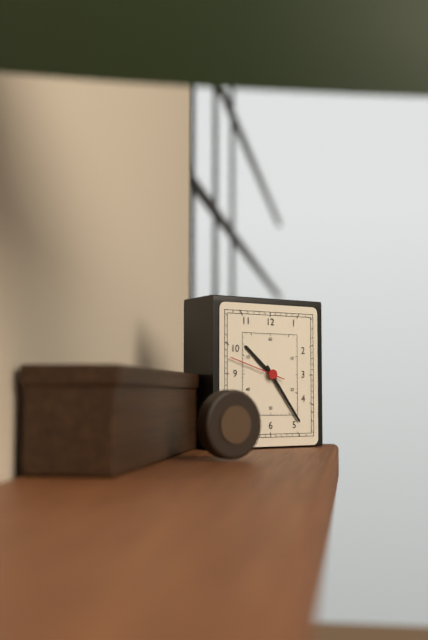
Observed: h=10 m=24 s=48
